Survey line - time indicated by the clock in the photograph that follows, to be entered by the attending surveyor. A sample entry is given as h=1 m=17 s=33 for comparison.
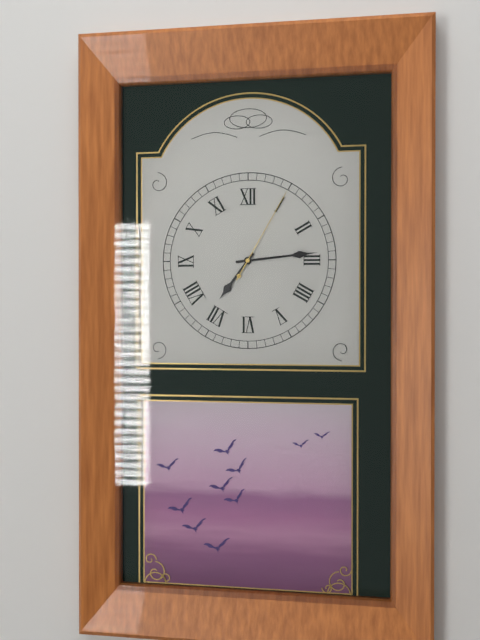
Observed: h=7 m=14 s=5
